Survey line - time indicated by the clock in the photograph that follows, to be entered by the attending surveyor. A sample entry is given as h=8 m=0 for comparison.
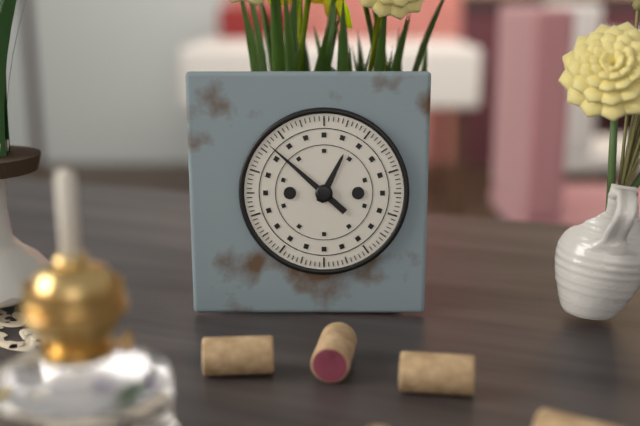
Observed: h=12 m=52
